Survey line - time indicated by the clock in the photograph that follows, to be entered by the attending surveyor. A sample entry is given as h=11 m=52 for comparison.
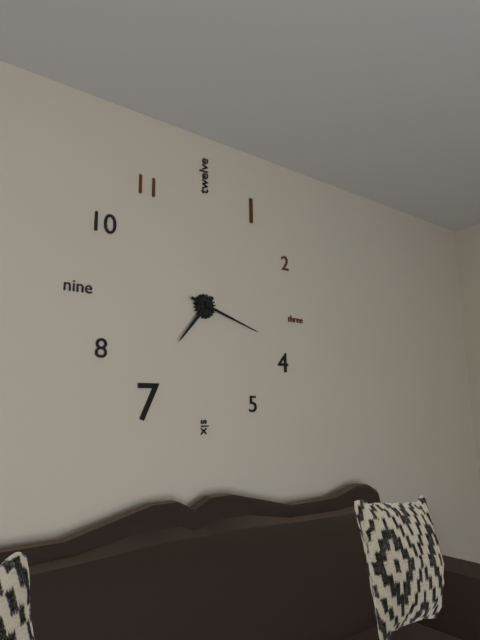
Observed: h=7 m=18
